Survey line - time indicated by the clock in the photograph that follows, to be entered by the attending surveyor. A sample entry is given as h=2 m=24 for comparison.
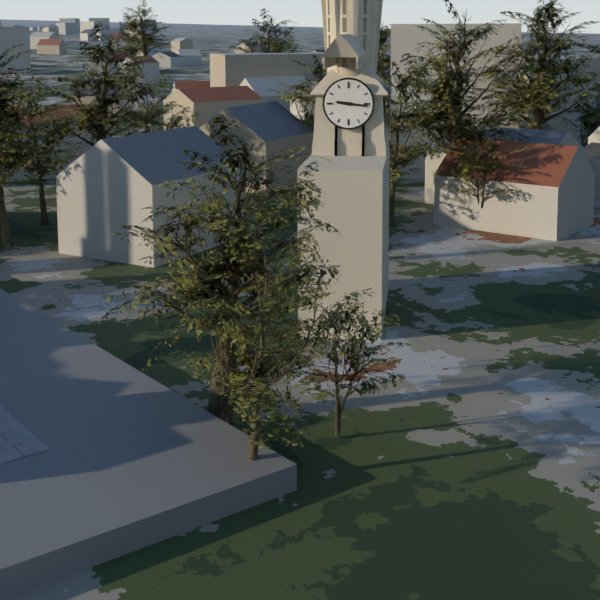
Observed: h=9 m=16
